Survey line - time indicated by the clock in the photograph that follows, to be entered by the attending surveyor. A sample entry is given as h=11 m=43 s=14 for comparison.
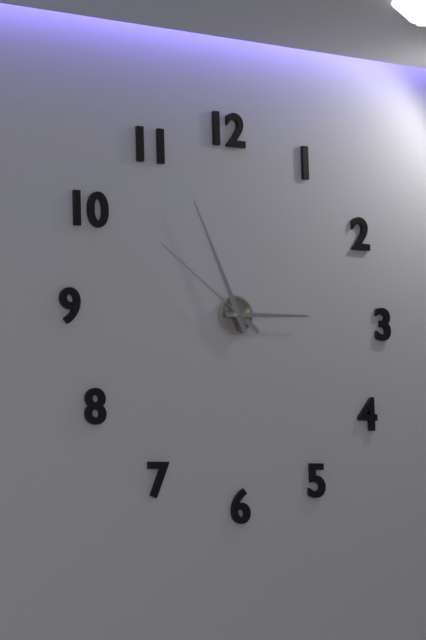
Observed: h=2 m=56 s=51
